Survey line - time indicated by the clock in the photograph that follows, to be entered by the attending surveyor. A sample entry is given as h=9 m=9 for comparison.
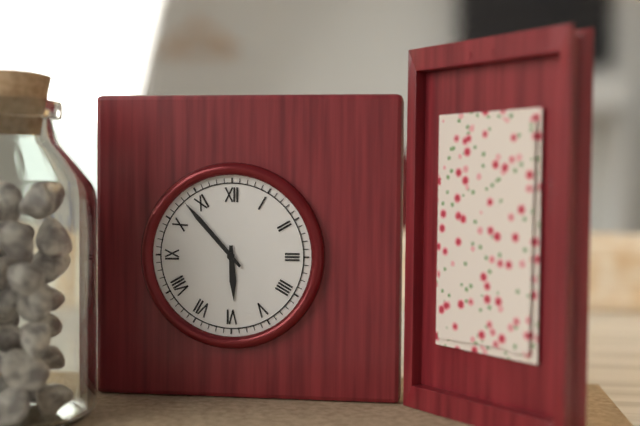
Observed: h=5 m=53
